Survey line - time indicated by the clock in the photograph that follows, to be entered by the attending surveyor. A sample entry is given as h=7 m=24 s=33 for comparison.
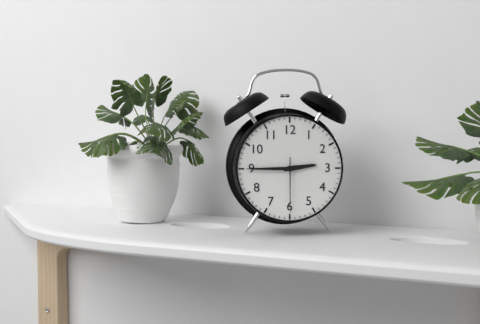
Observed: h=2 m=45 s=30
